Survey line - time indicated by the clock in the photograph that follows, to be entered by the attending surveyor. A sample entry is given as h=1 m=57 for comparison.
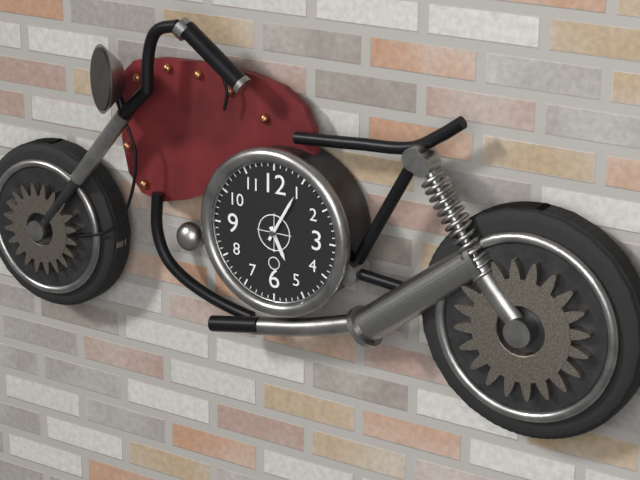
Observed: h=5 m=5
